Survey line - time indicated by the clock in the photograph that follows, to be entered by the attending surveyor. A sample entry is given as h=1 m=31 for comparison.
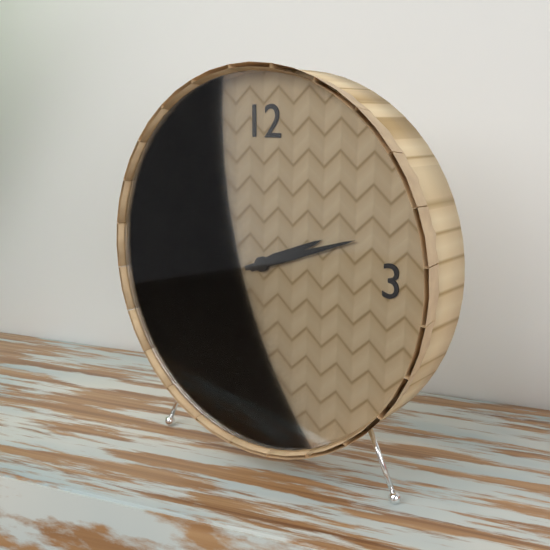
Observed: h=2 m=12
